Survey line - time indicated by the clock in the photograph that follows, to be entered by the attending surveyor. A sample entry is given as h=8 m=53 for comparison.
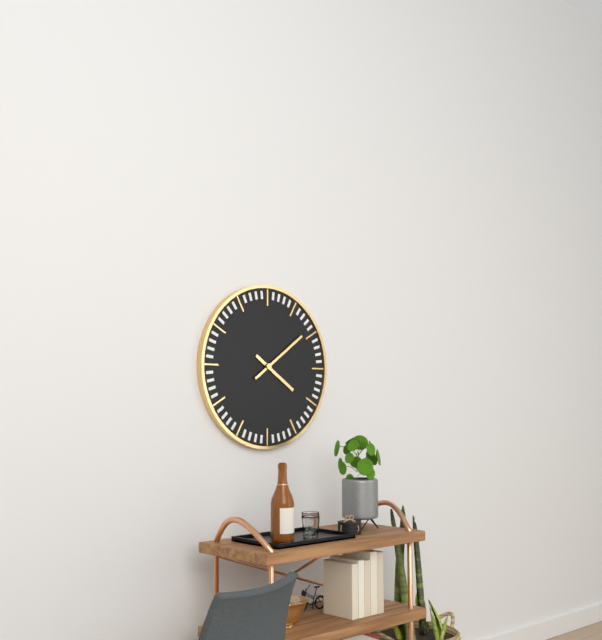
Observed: h=4 m=9
